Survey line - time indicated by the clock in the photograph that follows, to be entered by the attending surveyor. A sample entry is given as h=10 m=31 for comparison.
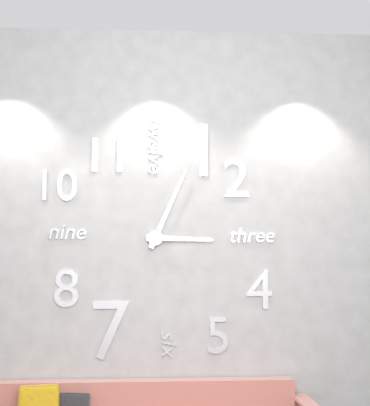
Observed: h=3 m=4
